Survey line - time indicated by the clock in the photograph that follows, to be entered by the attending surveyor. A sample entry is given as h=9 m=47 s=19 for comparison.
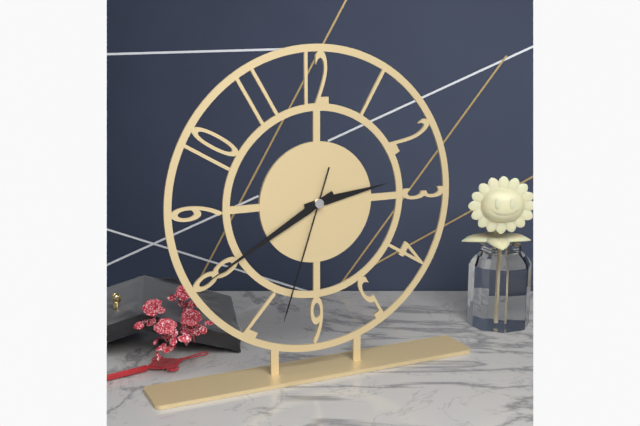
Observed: h=2 m=40 s=33
